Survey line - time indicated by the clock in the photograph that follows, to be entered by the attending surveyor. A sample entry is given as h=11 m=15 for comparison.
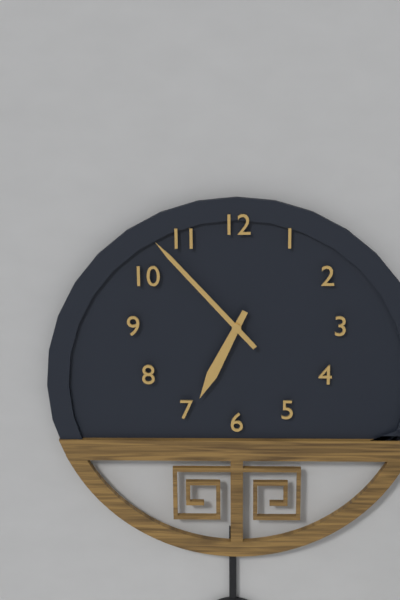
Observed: h=6 m=53
